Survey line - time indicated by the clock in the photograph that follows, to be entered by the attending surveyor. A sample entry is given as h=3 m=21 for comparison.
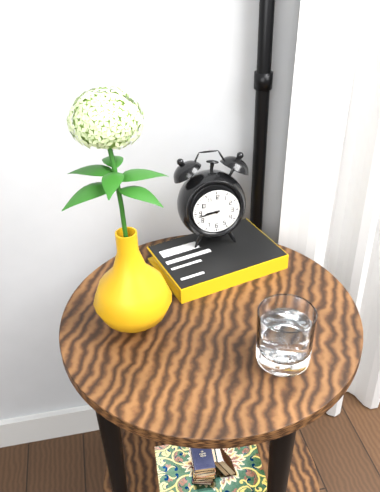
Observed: h=8 m=43
